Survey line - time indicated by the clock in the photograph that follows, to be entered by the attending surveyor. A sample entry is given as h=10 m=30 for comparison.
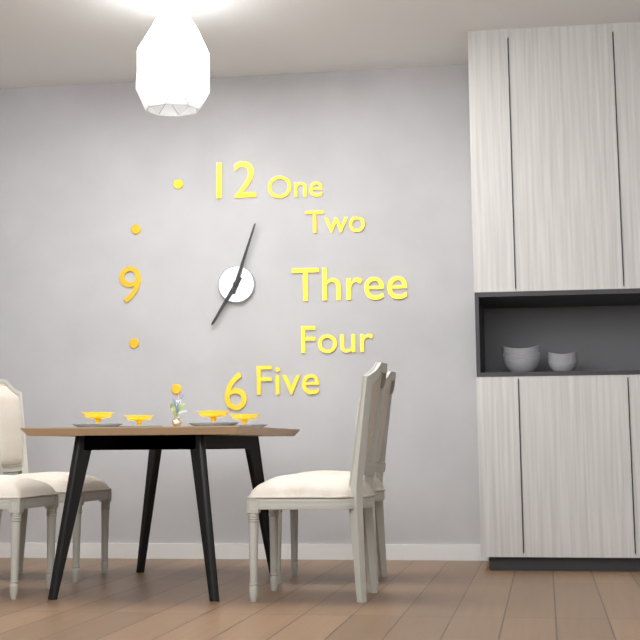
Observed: h=7 m=3
